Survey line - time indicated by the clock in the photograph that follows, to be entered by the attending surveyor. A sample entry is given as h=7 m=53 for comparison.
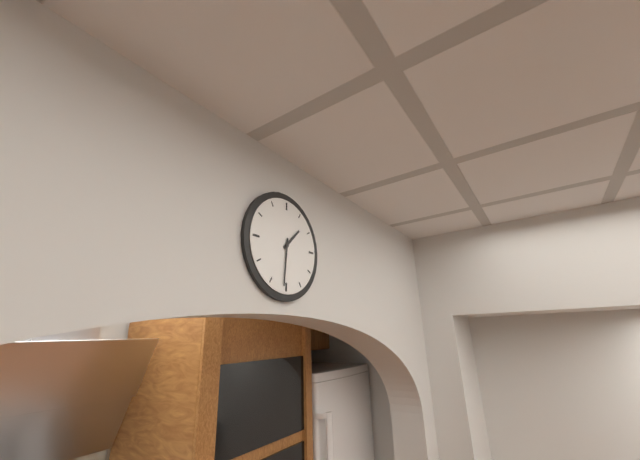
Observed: h=1 m=31
